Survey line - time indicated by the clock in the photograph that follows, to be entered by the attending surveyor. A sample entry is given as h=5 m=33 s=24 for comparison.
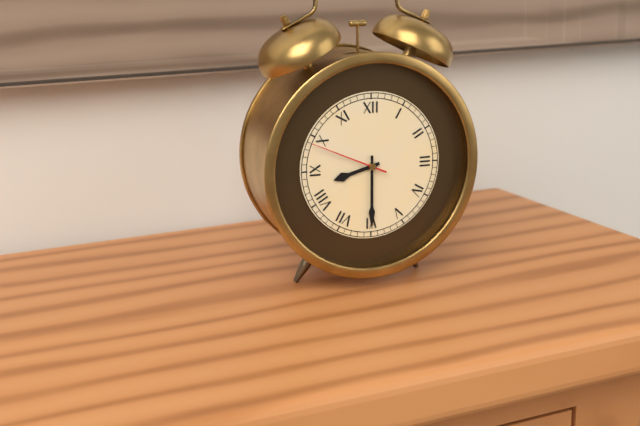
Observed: h=8 m=30 s=49
